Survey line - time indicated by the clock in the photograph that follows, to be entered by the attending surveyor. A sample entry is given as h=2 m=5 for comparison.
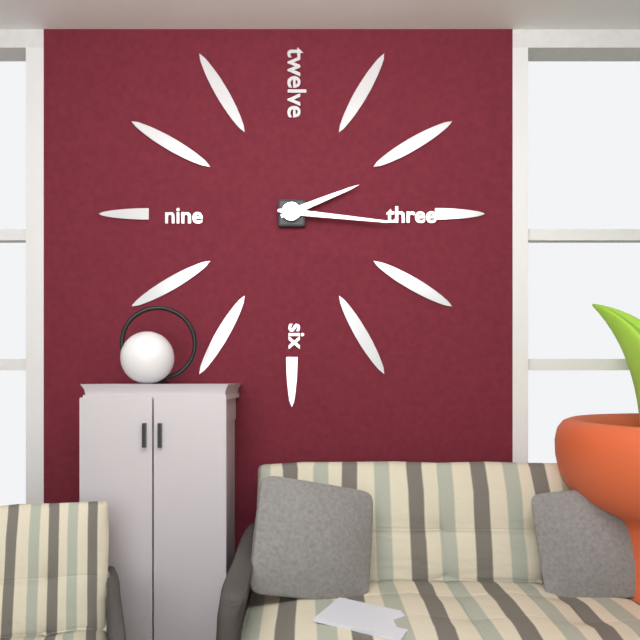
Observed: h=2 m=16
